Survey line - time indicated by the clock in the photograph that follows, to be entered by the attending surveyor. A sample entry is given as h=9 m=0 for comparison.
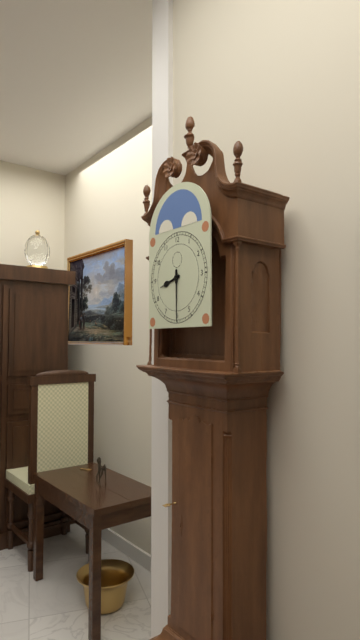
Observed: h=8 m=30
